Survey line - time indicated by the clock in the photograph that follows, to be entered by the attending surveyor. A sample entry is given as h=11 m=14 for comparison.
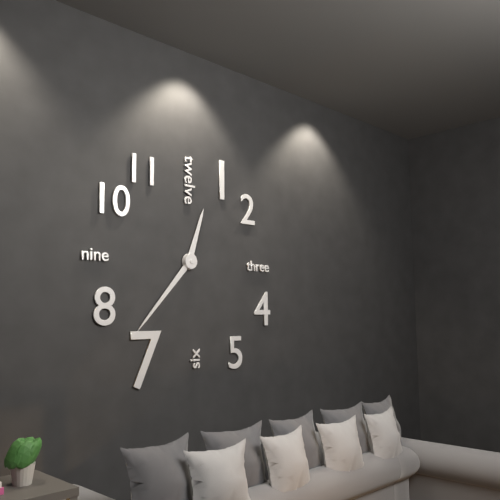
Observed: h=12 m=37
